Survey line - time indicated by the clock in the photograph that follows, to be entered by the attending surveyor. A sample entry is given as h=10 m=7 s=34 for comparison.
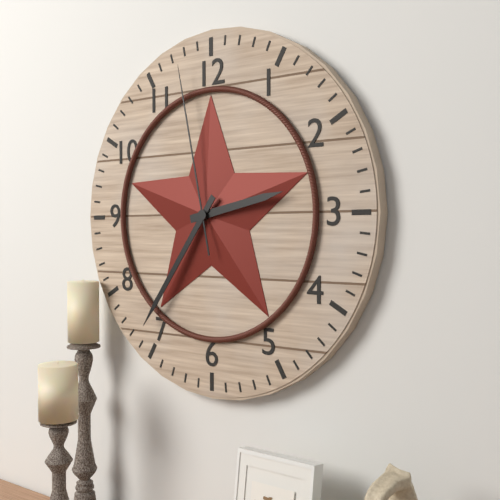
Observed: h=2 m=36 s=58
